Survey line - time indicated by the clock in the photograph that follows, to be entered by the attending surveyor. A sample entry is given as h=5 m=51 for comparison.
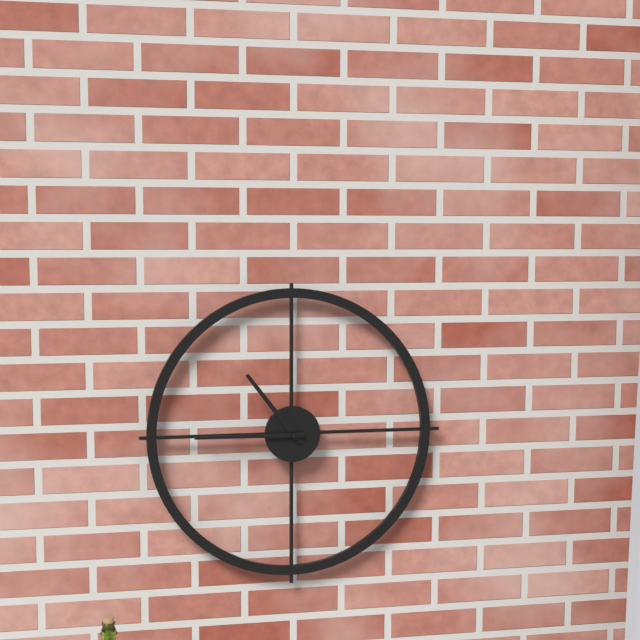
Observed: h=10 m=45
